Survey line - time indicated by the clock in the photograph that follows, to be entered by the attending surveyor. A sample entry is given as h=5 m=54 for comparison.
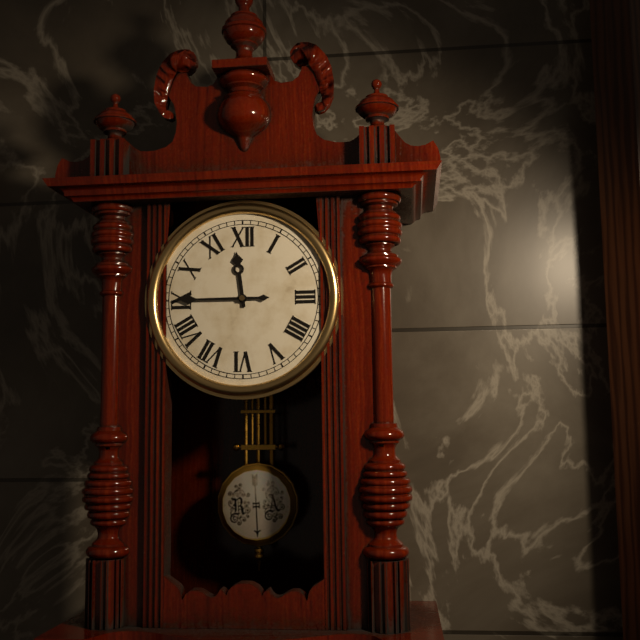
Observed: h=11 m=45
